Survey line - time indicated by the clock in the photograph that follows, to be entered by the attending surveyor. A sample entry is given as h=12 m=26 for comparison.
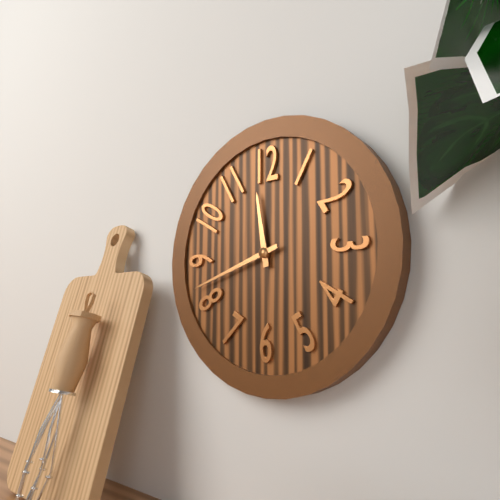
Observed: h=11 m=42
